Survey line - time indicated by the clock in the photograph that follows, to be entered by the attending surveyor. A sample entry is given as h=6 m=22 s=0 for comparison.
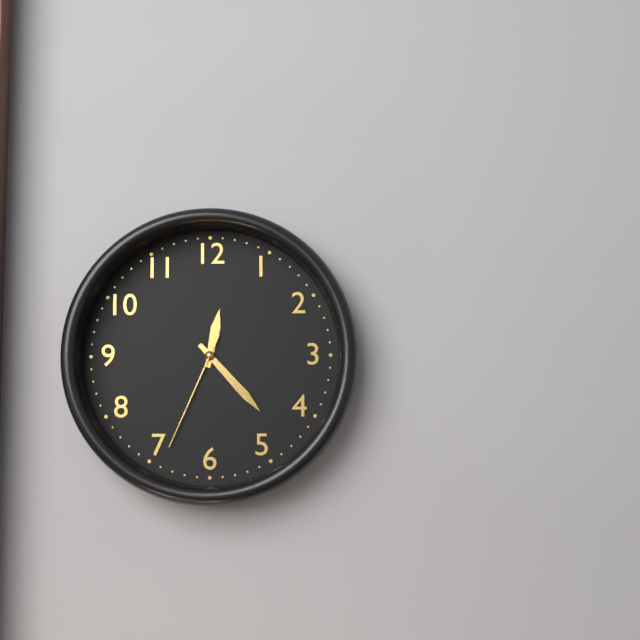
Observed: h=12 m=23 s=34
